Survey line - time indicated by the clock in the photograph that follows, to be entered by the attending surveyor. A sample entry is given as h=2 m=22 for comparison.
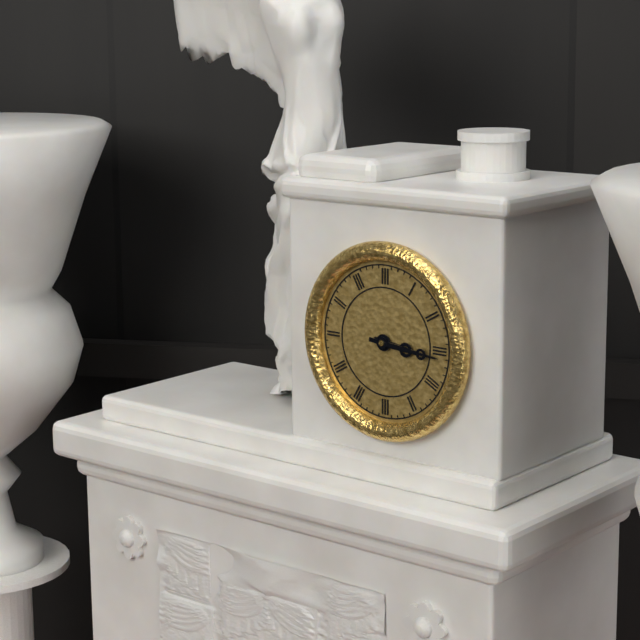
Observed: h=3 m=16
